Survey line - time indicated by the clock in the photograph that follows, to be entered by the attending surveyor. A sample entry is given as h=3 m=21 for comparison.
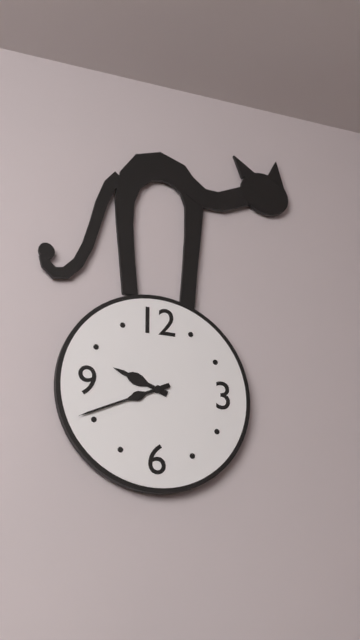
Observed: h=9 m=41
